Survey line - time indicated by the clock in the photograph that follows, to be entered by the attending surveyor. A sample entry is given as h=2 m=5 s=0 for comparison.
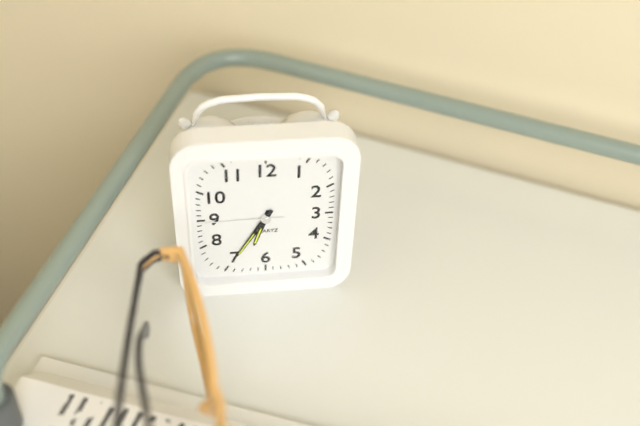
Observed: h=6 m=35 s=45
